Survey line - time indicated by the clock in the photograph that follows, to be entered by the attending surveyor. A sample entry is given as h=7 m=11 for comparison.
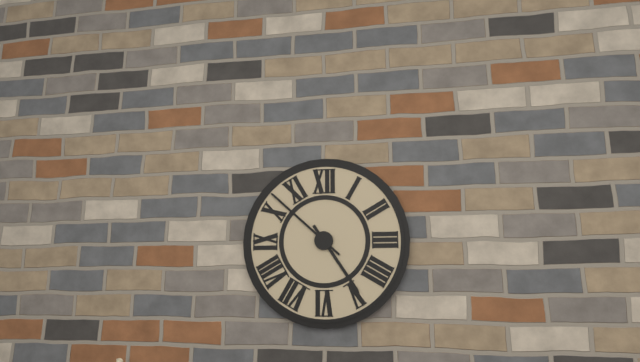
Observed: h=4 m=52
